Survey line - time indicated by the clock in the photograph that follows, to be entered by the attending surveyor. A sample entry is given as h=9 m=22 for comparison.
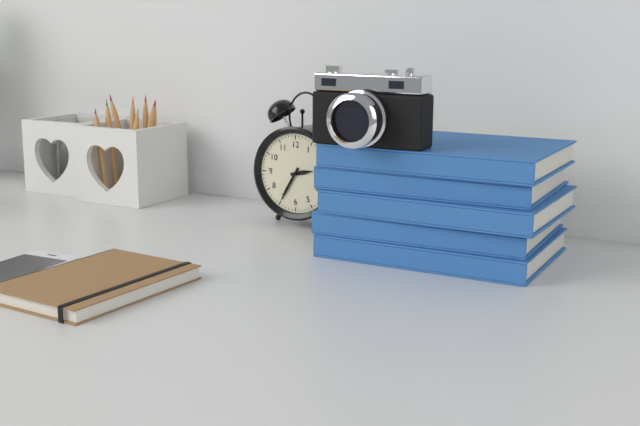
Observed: h=2 m=35
